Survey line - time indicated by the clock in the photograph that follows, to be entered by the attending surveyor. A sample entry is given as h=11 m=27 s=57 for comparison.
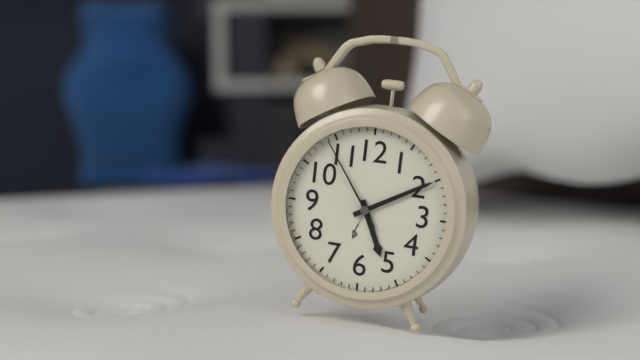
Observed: h=5 m=10 s=54
